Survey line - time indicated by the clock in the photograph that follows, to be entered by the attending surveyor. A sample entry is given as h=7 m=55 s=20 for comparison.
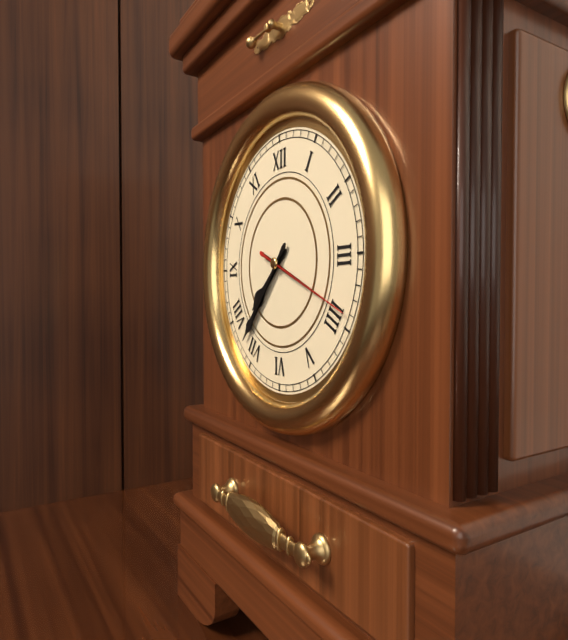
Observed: h=7 m=37 s=19
